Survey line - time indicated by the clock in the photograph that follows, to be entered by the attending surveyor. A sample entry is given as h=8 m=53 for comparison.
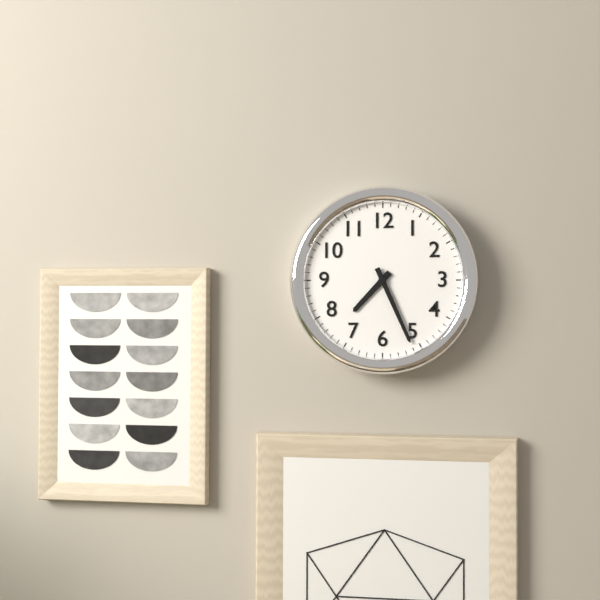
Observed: h=7 m=26
